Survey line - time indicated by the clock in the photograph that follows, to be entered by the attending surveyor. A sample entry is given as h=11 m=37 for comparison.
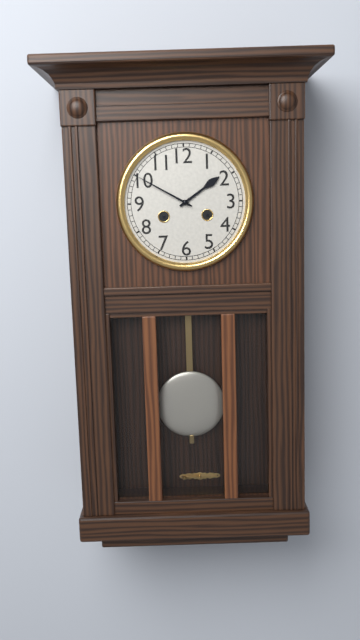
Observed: h=1 m=50
